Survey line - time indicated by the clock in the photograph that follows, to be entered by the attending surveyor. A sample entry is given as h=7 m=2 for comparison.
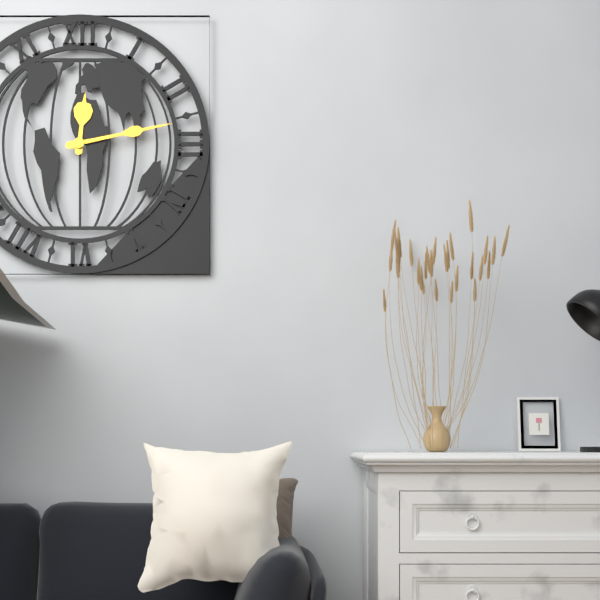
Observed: h=12 m=13
